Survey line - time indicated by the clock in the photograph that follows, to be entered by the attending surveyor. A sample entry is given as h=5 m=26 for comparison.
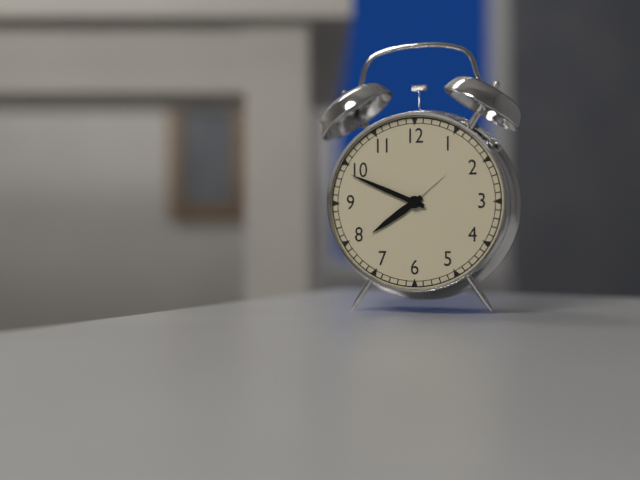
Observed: h=7 m=49
